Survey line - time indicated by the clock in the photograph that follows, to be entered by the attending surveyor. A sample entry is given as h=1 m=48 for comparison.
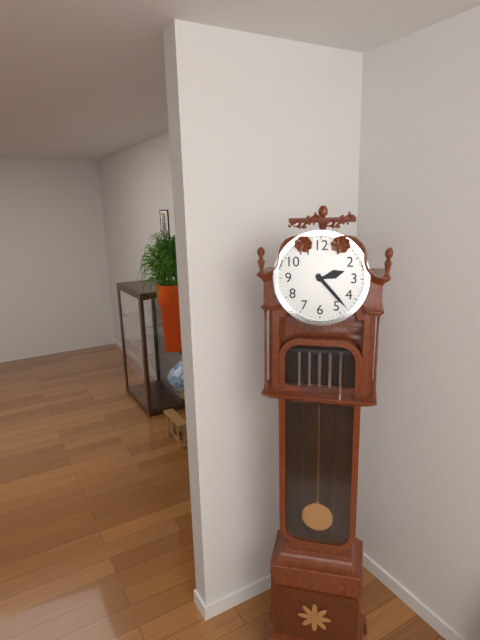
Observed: h=2 m=23
